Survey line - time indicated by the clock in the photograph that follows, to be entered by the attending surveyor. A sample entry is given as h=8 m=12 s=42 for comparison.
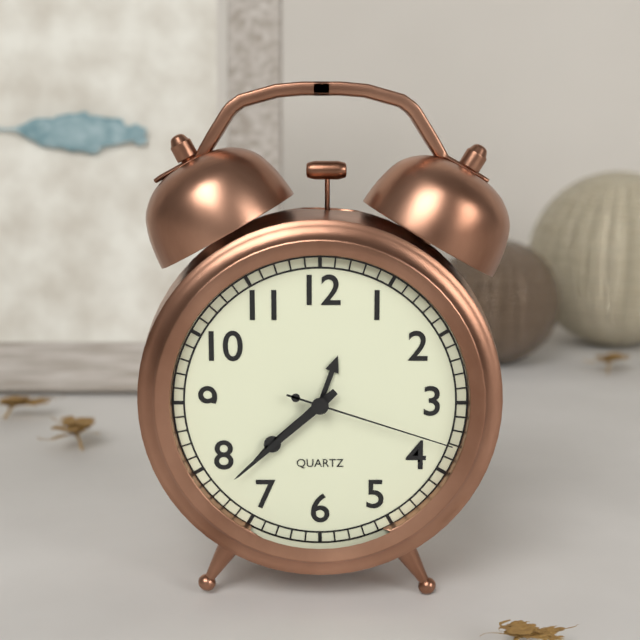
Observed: h=7 m=38 s=18
